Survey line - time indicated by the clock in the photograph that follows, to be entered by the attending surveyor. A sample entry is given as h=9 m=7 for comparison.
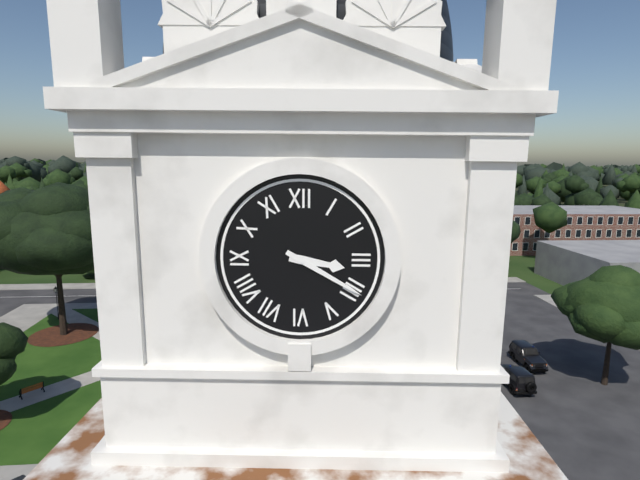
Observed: h=3 m=20
